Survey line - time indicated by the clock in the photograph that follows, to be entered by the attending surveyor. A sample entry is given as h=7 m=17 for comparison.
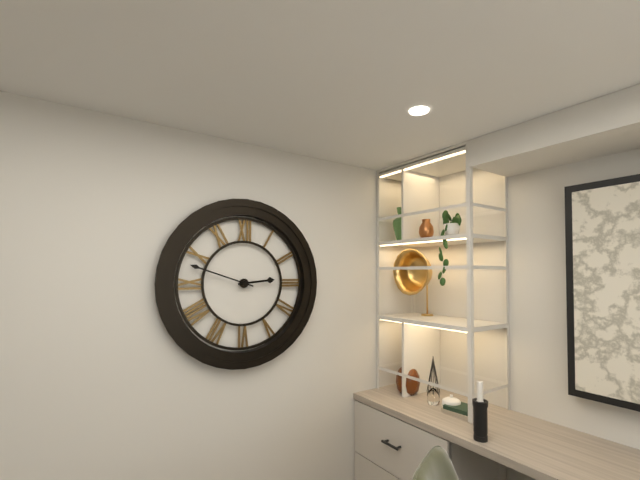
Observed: h=2 m=48
